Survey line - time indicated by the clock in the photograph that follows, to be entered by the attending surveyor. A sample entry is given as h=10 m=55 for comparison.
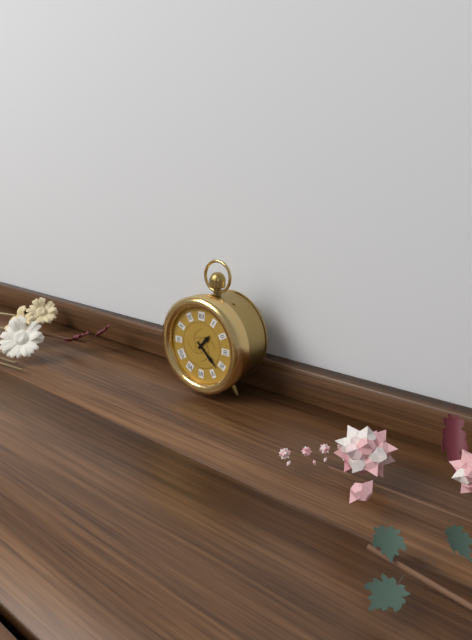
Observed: h=1 m=22
